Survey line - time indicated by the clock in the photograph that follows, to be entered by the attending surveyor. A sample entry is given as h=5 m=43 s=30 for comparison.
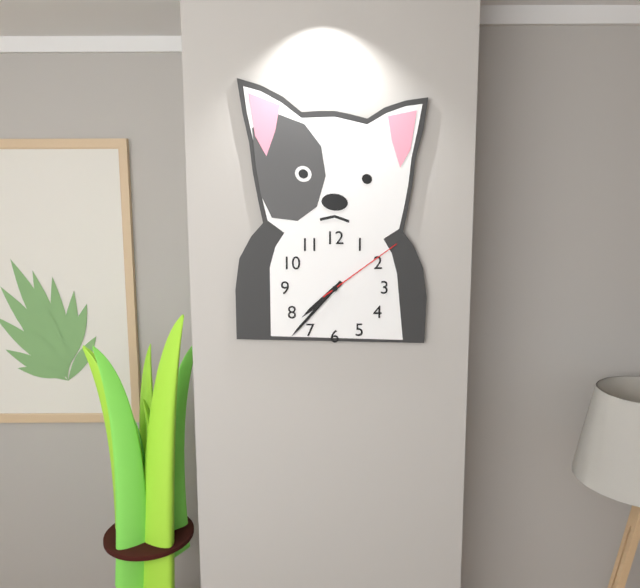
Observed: h=7 m=37 s=9
